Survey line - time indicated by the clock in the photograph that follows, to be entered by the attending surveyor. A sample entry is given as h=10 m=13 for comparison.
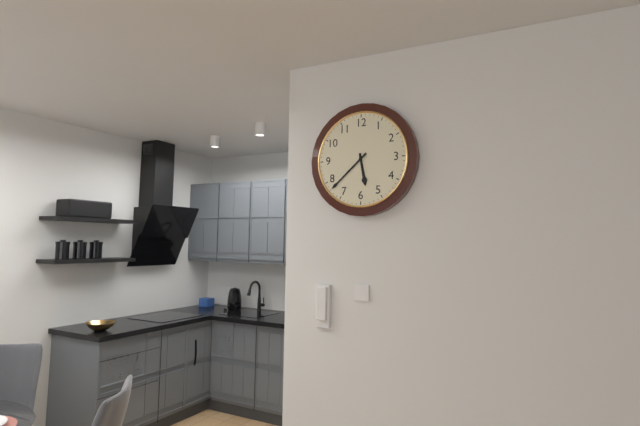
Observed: h=5 m=38
